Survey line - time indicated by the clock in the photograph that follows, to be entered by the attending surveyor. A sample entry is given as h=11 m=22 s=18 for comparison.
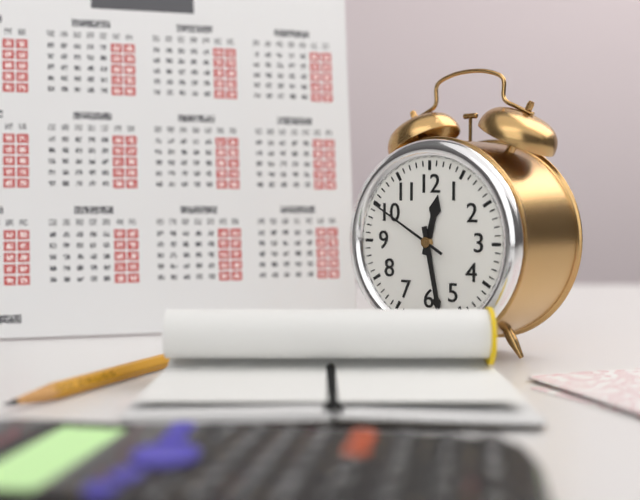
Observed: h=12 m=28 s=50
